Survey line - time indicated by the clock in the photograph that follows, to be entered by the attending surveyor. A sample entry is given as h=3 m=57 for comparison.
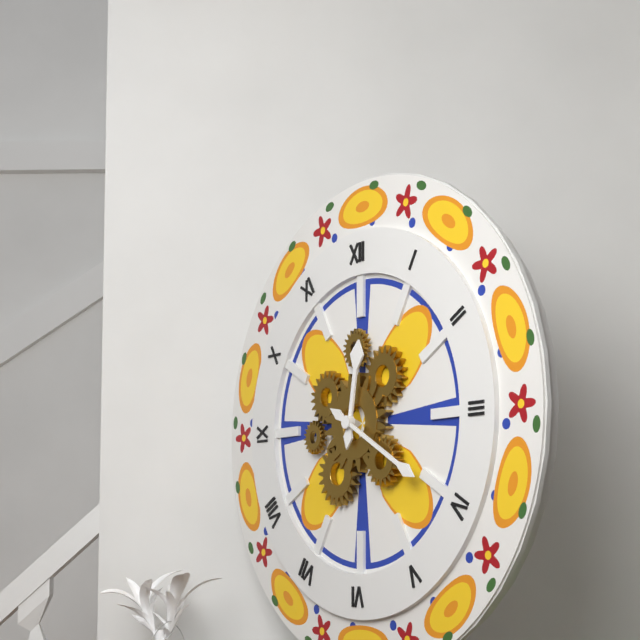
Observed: h=12 m=20
